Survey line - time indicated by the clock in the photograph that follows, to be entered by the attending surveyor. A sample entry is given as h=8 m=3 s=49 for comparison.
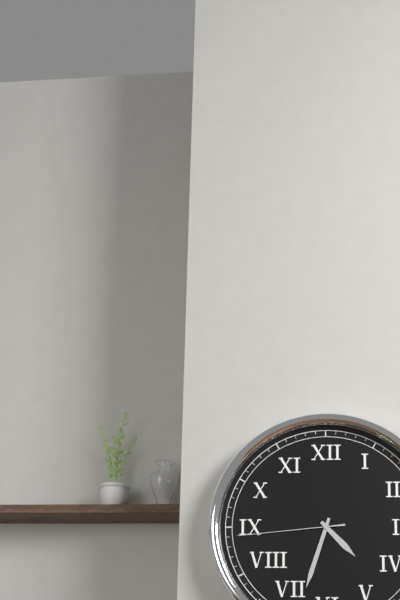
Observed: h=4 m=33 s=44
